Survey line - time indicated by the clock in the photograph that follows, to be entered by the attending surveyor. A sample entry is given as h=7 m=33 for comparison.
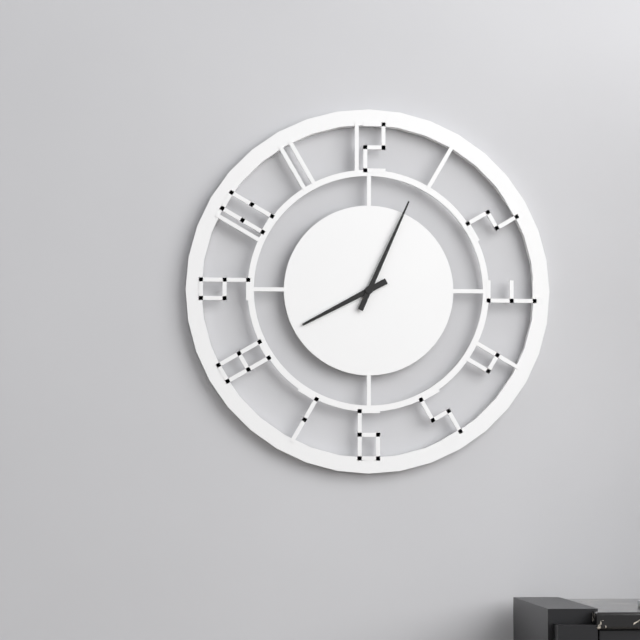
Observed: h=8 m=4
